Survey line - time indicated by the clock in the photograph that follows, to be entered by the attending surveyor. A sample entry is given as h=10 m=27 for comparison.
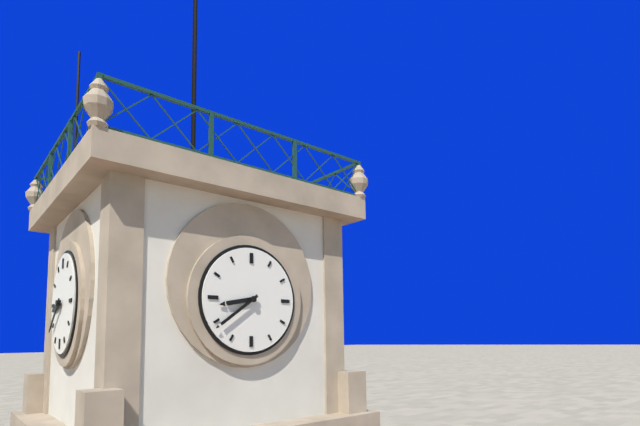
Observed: h=8 m=39
